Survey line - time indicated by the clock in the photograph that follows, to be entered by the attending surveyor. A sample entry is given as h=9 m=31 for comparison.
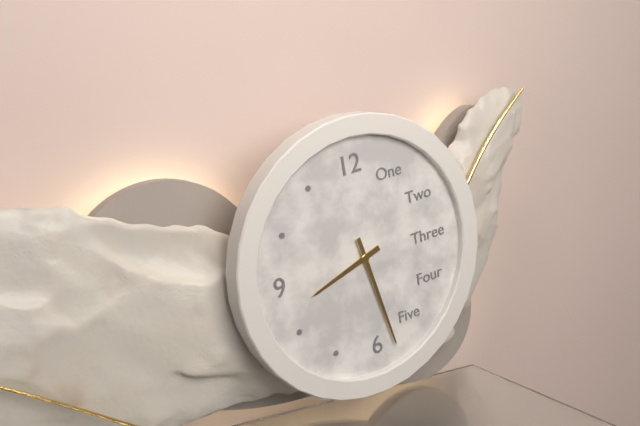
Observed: h=8 m=28
